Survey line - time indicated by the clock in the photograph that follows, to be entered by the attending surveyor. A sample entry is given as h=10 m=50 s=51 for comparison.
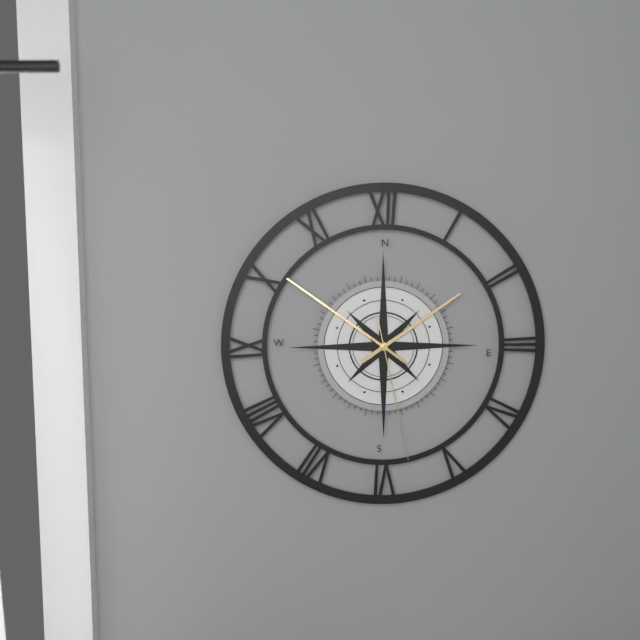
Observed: h=1 m=51 s=28
